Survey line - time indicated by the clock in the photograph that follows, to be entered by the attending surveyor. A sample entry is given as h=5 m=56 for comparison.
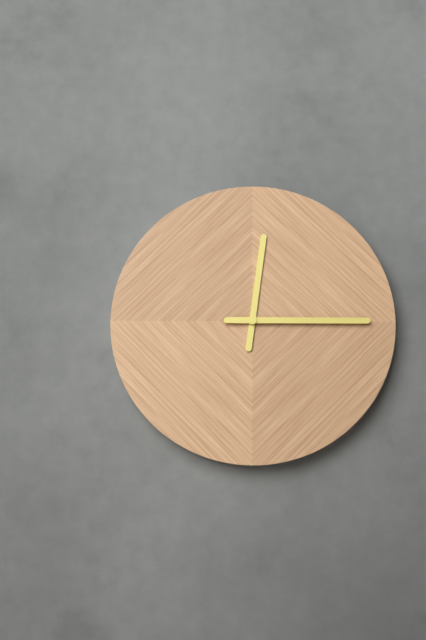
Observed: h=12 m=15
